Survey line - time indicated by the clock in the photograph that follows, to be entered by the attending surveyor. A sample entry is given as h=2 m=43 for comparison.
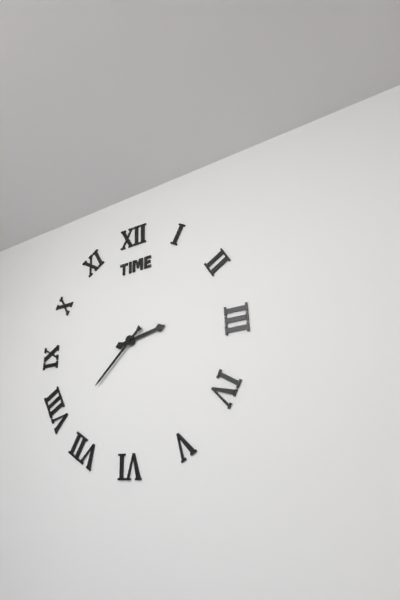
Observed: h=2 m=38
